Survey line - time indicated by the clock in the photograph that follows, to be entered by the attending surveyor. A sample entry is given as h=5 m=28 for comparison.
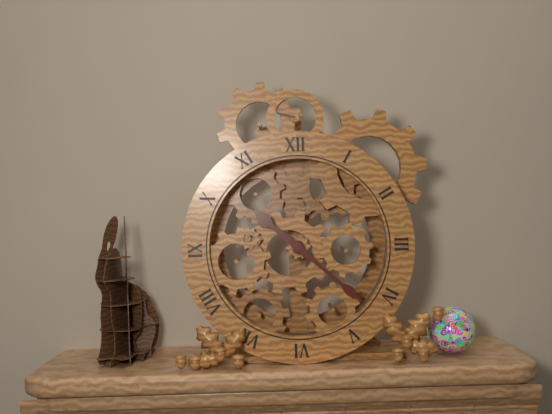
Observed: h=10 m=22
